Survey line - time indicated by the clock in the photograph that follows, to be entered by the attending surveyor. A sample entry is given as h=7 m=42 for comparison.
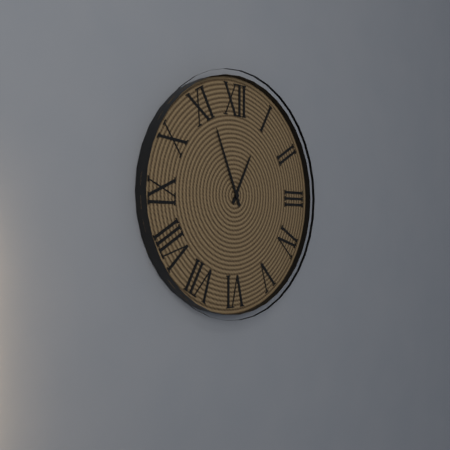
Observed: h=12 m=56
